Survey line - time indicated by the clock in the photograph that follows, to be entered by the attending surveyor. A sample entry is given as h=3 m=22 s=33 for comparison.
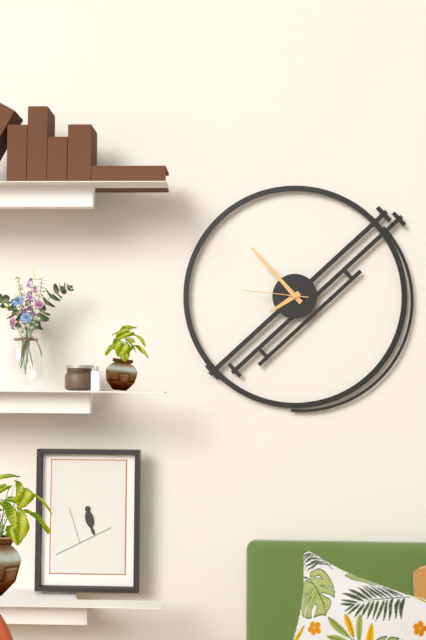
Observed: h=7 m=53 s=46
